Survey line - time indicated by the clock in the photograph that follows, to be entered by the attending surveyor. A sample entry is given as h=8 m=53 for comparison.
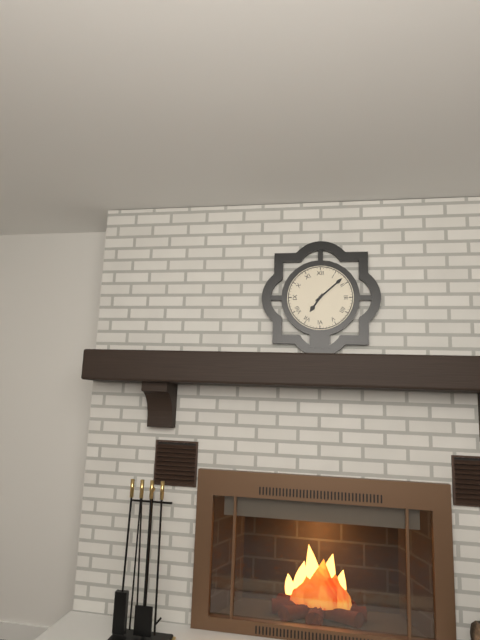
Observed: h=7 m=8
